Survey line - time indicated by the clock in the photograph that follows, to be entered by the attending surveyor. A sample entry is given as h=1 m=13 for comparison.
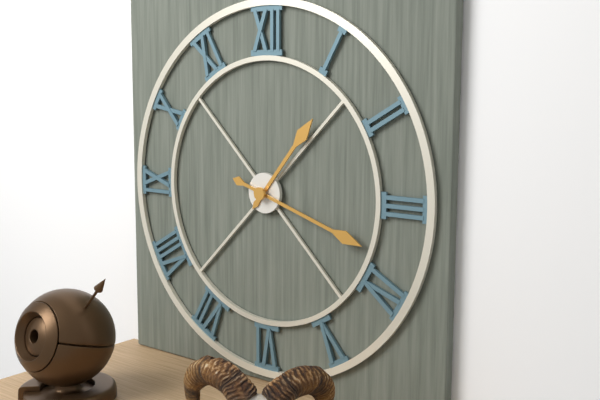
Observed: h=1 m=18
